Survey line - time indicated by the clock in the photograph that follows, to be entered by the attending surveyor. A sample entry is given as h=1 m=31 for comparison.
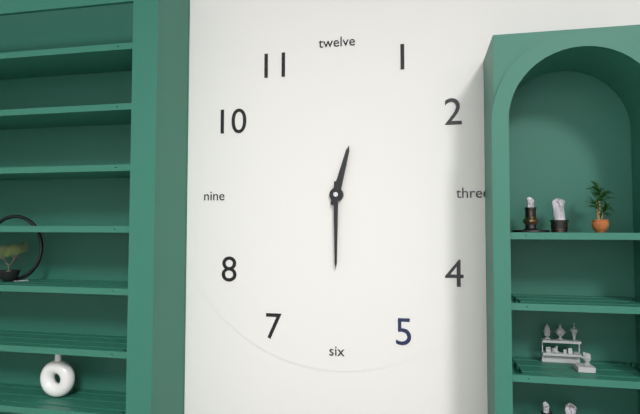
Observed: h=12 m=30
